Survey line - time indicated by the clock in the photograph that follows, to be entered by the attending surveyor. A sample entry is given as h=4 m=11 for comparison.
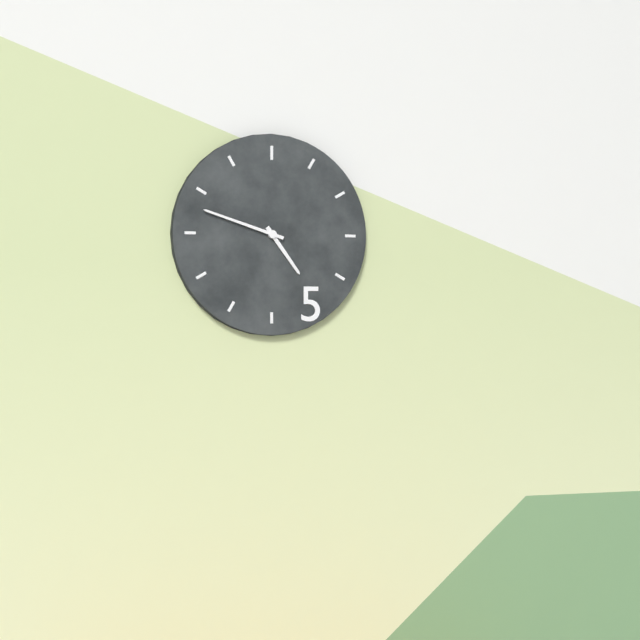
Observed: h=4 m=48
